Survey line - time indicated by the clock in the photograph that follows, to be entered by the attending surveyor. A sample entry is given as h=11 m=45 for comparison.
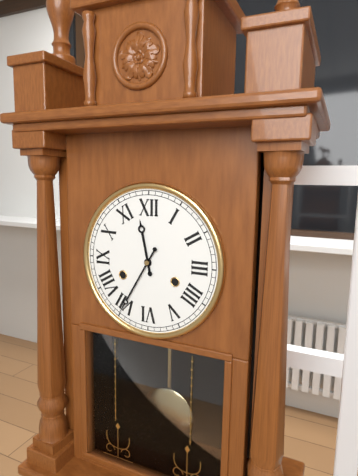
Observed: h=11 m=35
